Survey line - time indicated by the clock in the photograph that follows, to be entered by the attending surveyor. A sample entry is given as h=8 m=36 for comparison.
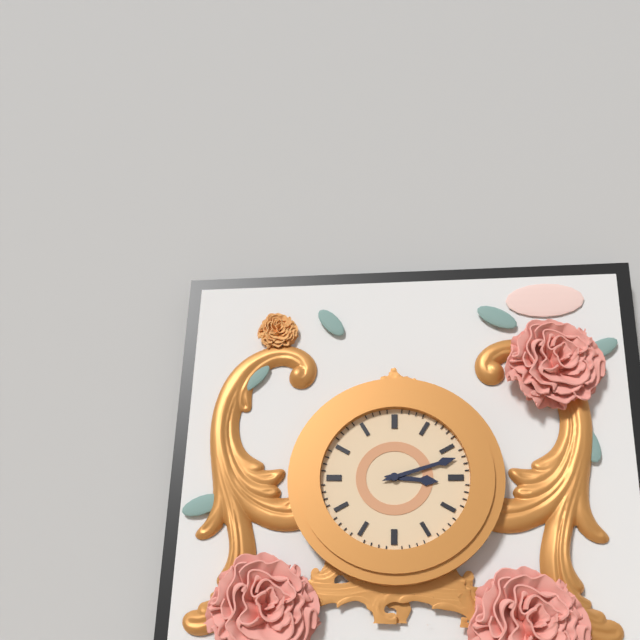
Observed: h=3 m=12
